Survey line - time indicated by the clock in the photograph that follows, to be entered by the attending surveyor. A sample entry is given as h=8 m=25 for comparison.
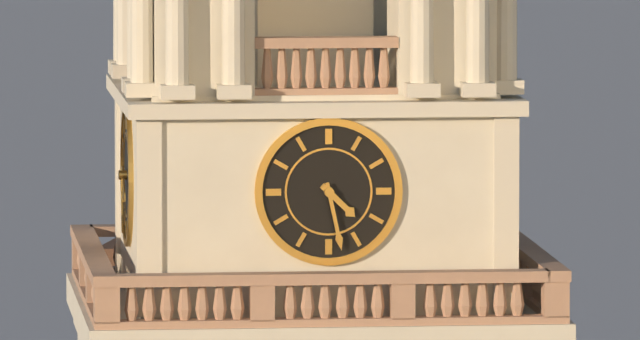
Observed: h=4 m=28
